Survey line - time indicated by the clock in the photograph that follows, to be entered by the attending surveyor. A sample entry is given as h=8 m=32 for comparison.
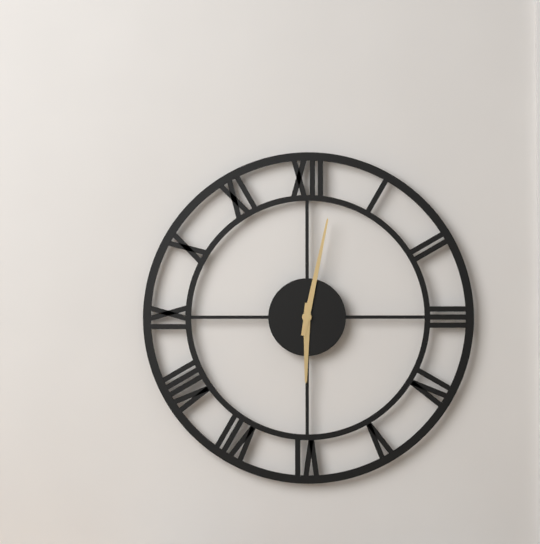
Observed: h=6 m=2
